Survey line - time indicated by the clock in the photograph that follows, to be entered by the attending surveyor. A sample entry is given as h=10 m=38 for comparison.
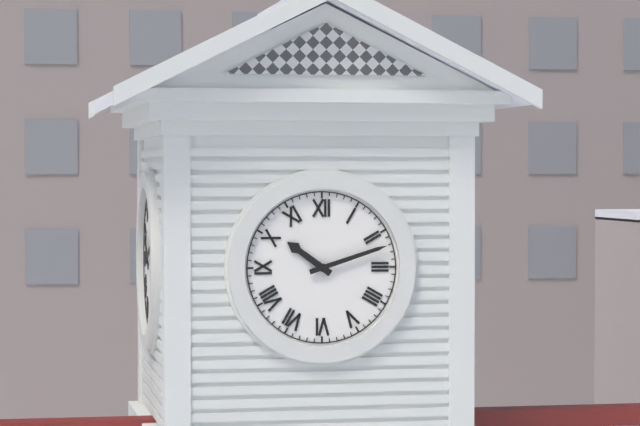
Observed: h=10 m=12
